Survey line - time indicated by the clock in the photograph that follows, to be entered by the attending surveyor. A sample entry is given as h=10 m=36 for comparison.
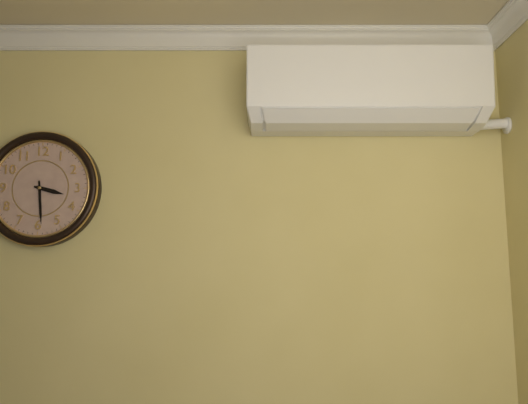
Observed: h=3 m=29
